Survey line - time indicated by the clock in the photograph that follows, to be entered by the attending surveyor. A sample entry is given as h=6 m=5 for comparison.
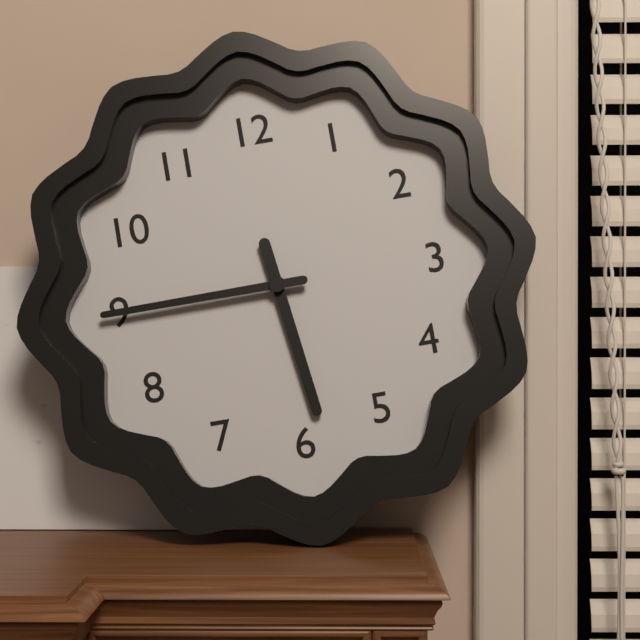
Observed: h=5 m=45
